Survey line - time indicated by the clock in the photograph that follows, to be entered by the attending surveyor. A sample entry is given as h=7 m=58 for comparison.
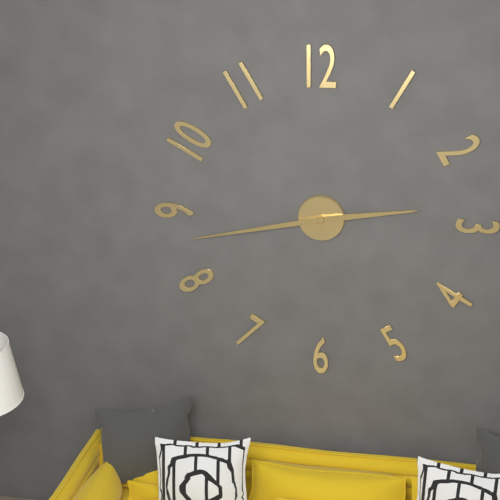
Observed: h=2 m=43
